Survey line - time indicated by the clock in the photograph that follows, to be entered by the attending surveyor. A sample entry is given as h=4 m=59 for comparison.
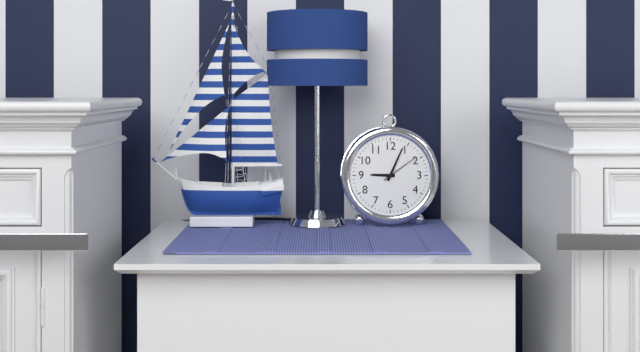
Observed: h=9 m=4
